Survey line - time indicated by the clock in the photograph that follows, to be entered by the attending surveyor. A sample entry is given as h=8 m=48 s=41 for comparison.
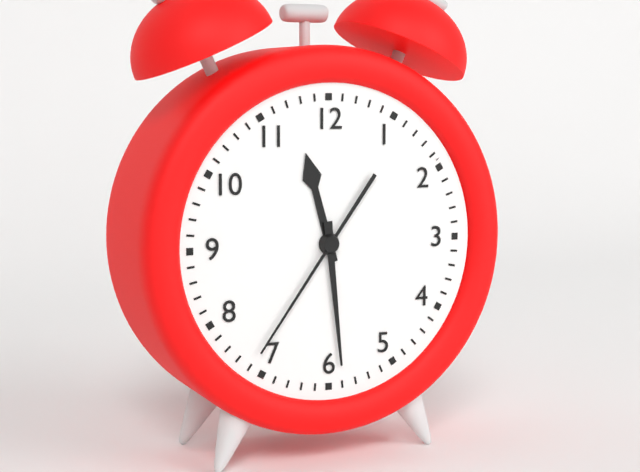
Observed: h=11 m=29 s=36
